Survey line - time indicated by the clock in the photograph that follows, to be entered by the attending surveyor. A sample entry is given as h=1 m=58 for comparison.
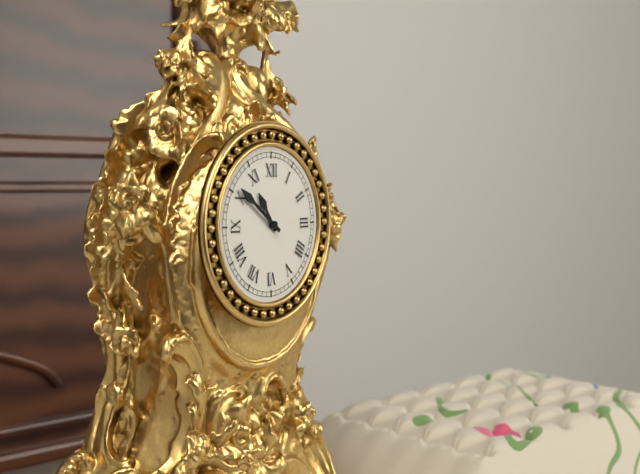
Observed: h=10 m=51
